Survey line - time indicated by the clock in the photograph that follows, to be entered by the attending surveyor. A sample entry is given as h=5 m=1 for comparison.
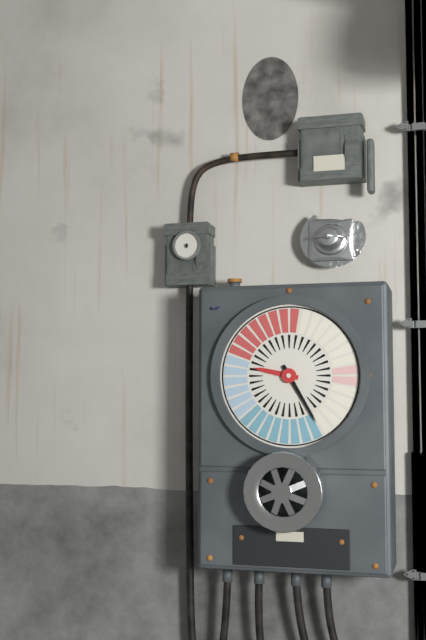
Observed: h=9 m=25
